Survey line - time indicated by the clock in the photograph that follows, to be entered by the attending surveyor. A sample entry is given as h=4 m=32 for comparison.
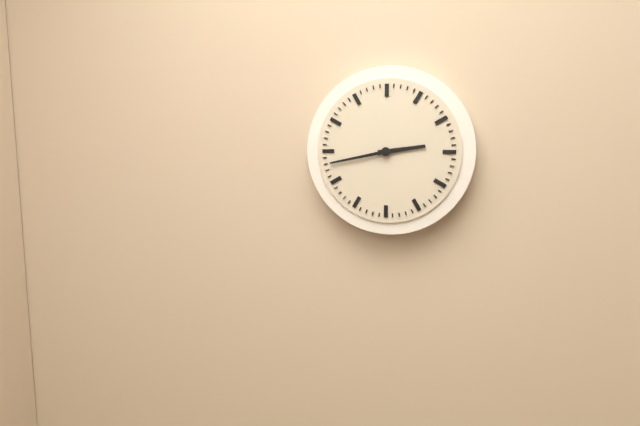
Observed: h=2 m=43
